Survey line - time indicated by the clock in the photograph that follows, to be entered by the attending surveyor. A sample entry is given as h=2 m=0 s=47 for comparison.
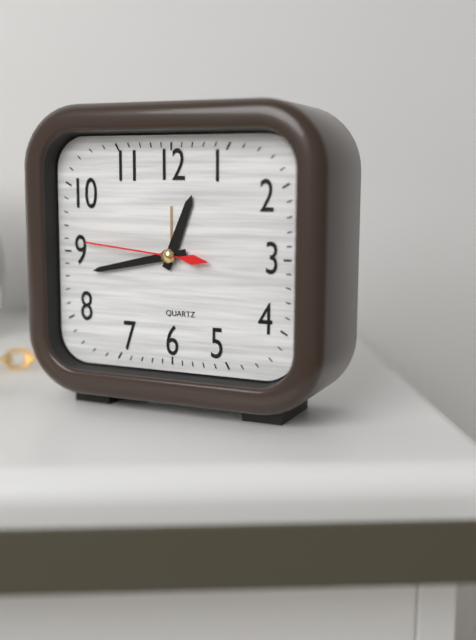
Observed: h=12 m=43 s=46
